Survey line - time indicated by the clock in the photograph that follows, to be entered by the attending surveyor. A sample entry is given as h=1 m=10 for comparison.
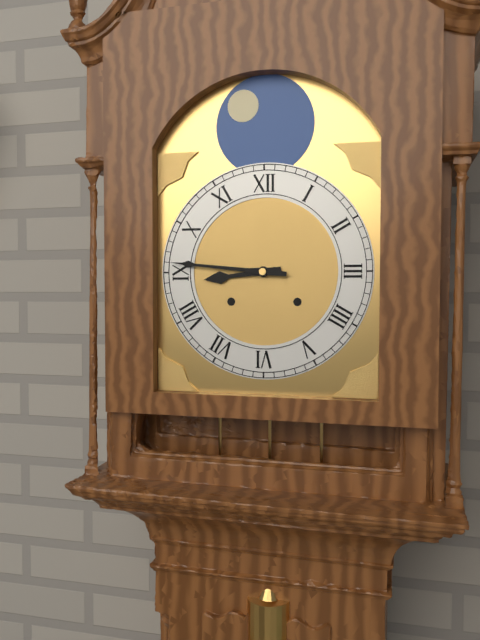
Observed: h=8 m=46
